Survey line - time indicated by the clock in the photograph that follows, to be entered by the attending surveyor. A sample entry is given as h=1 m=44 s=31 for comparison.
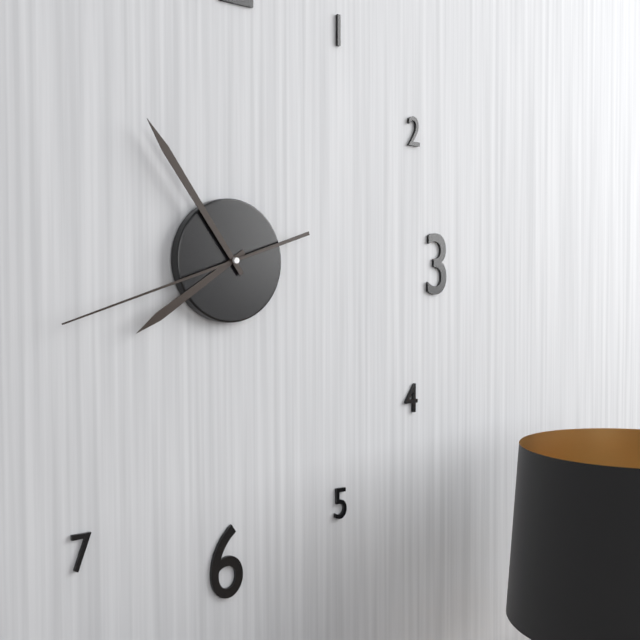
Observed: h=7 m=54 s=42
